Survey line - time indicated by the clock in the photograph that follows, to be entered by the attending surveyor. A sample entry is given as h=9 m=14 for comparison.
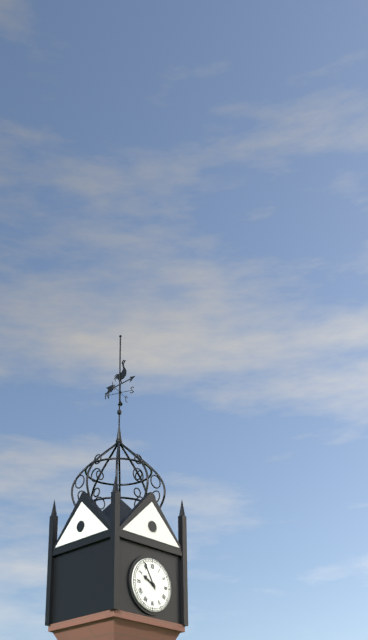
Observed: h=9 m=55
